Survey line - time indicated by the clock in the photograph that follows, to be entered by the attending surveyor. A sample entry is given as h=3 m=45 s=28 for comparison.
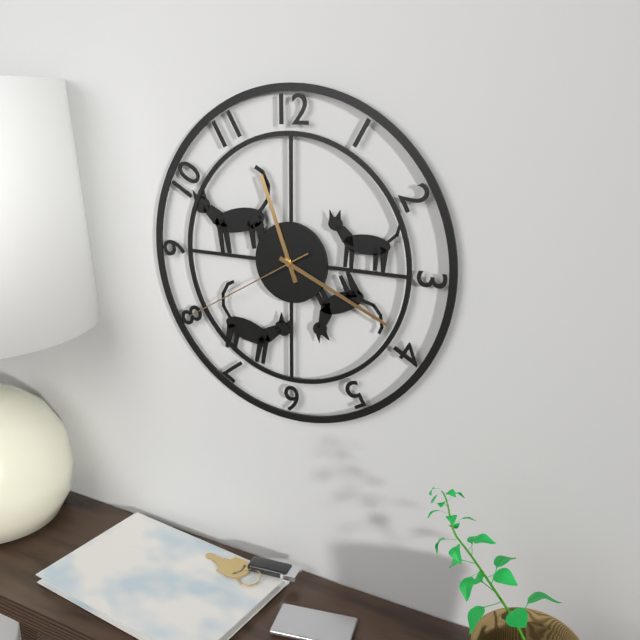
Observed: h=11 m=19 s=40
